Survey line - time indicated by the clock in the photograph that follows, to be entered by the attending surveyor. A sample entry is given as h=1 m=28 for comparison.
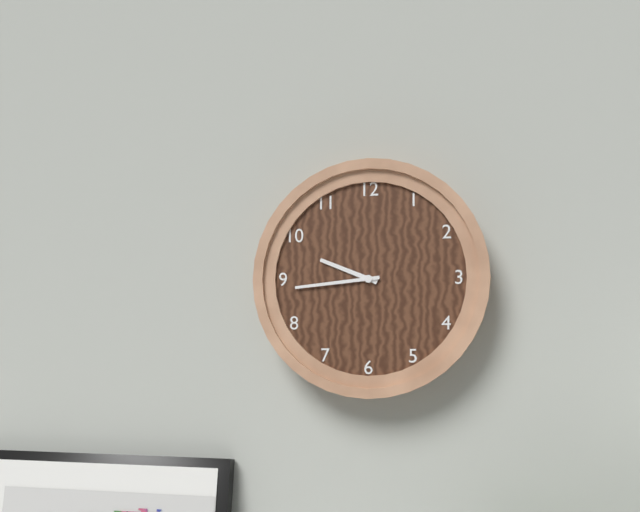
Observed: h=9 m=44
